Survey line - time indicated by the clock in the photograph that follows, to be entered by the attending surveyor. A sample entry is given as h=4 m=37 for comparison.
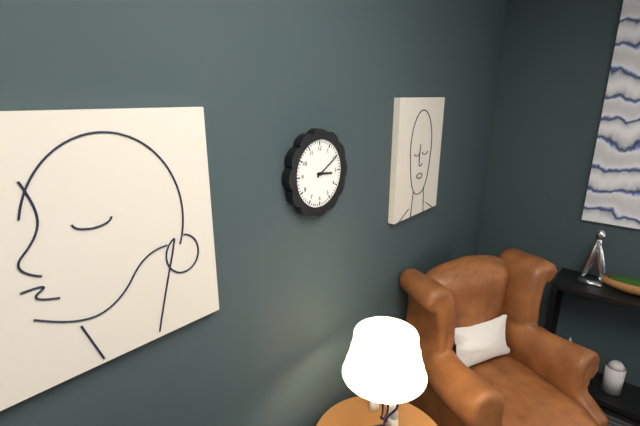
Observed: h=3 m=10
